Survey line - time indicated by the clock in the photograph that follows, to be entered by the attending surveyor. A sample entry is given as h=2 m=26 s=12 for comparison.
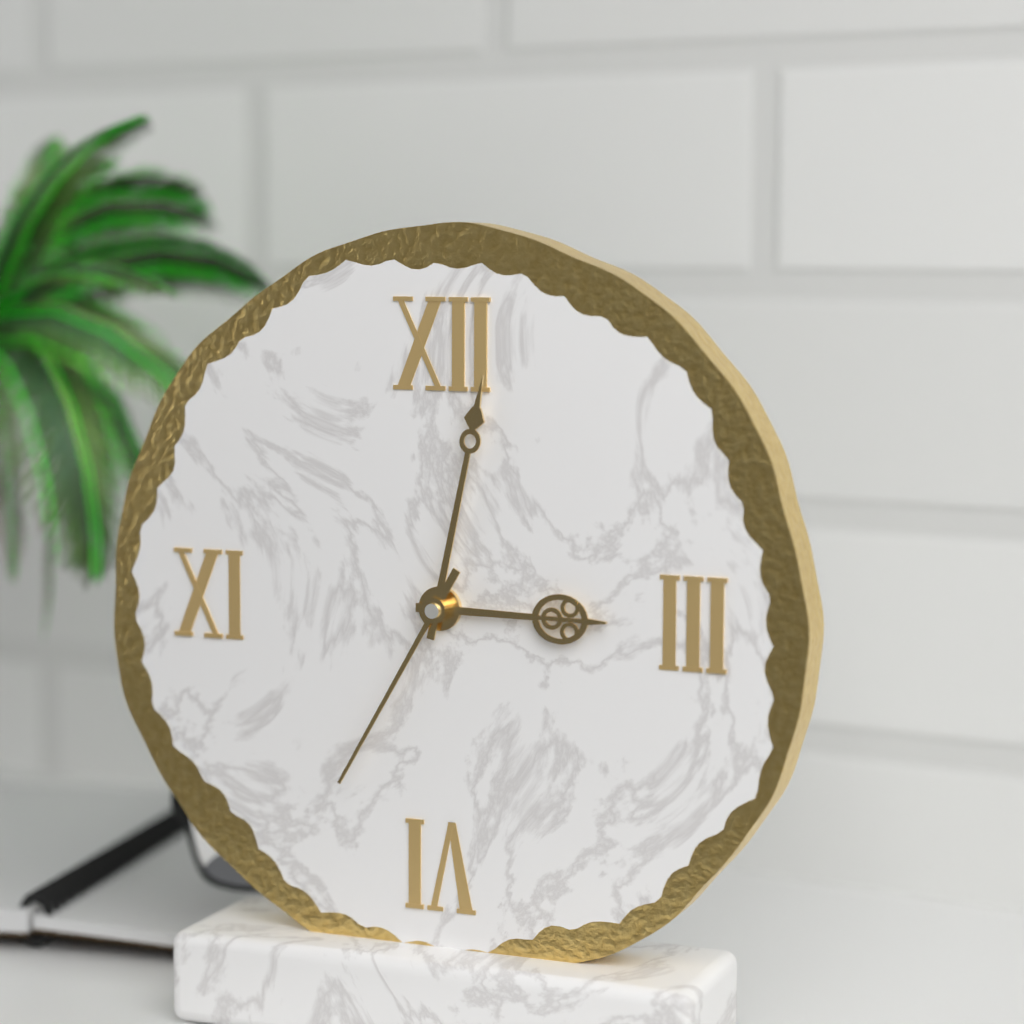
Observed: h=3 m=2 s=35
